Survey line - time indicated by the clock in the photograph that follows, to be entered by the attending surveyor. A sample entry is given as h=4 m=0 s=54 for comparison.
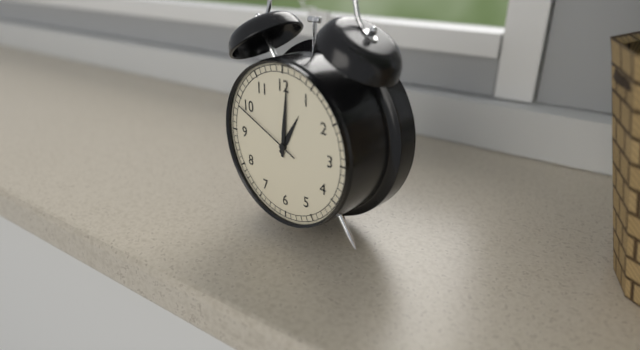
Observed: h=1 m=1 s=49
